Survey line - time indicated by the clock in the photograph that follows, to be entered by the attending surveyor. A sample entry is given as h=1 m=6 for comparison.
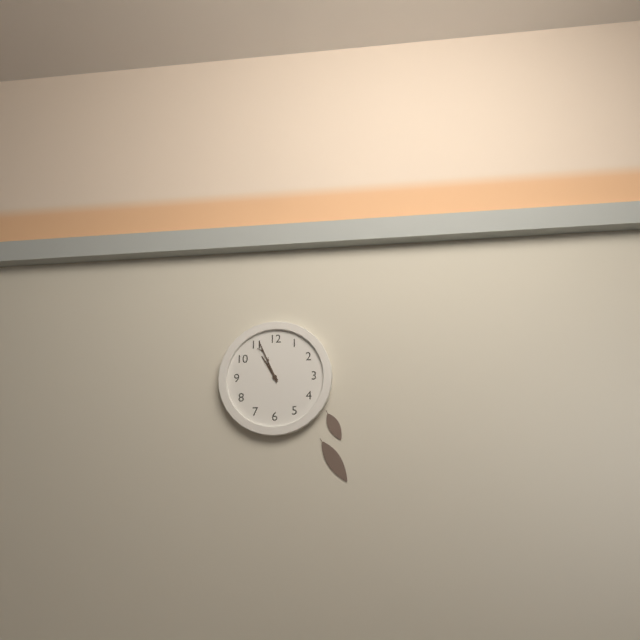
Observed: h=10 m=56
